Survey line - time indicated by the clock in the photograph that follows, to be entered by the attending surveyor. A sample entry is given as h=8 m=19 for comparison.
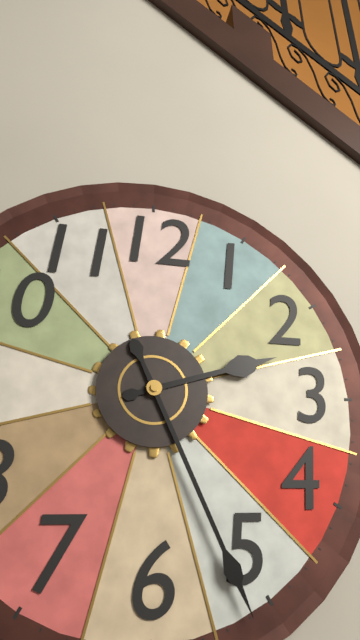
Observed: h=2 m=26
